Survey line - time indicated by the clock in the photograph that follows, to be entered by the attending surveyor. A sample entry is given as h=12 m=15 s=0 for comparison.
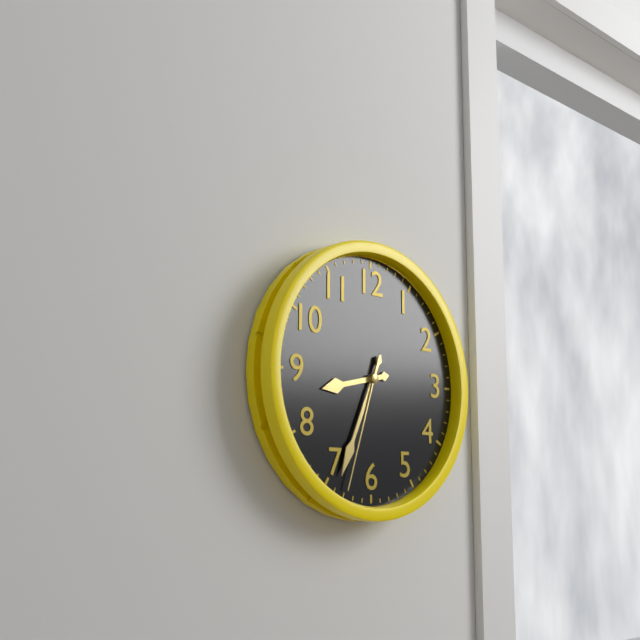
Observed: h=8 m=34 s=33
